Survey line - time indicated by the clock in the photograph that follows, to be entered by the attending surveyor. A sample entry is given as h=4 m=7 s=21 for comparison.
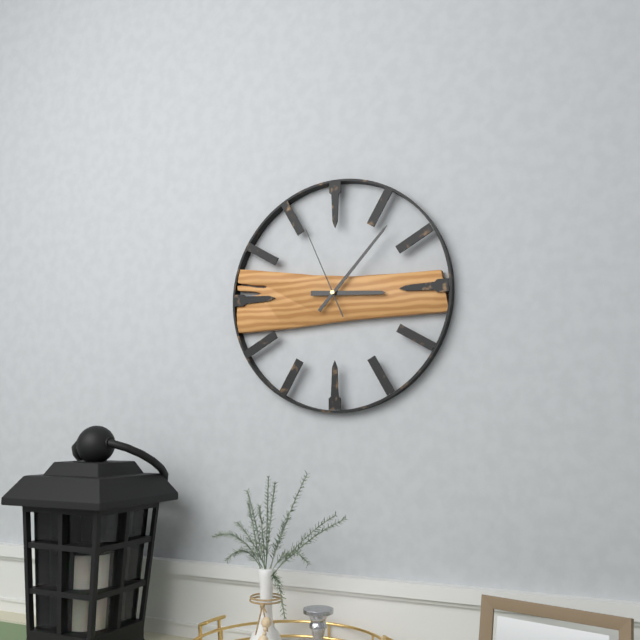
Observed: h=3 m=7 s=56
